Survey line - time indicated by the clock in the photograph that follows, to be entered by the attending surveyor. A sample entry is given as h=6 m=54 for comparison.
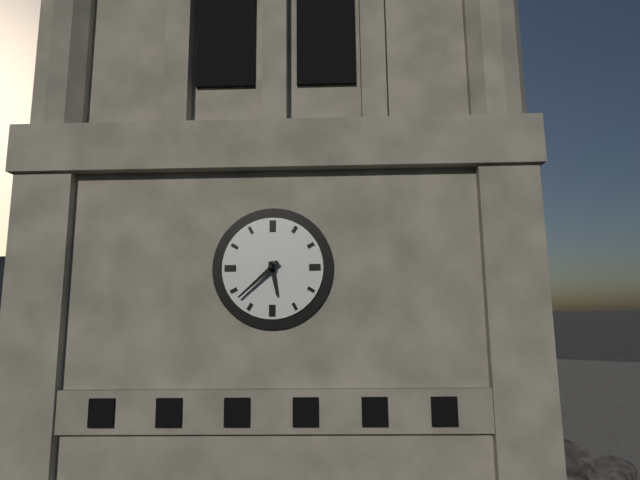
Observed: h=5 m=38
